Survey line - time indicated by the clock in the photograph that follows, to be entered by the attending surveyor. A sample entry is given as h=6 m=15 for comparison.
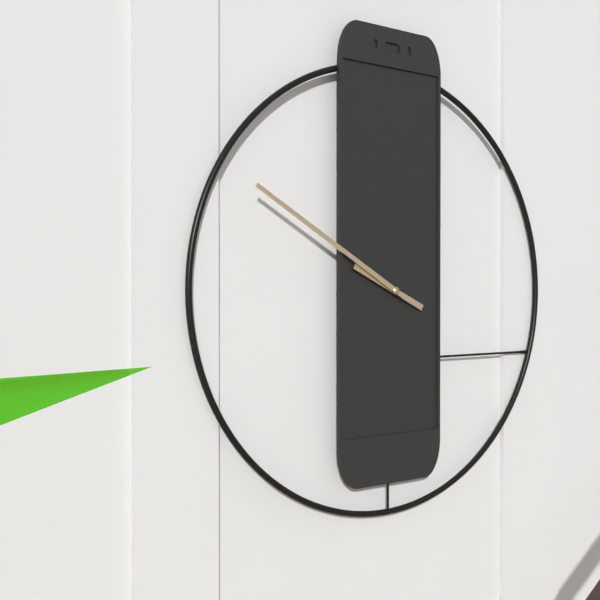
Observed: h=9 m=50
